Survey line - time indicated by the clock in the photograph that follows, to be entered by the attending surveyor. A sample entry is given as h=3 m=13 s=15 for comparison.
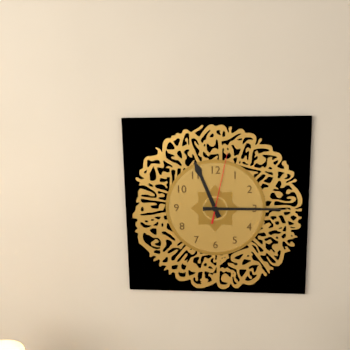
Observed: h=11 m=15 s=2
